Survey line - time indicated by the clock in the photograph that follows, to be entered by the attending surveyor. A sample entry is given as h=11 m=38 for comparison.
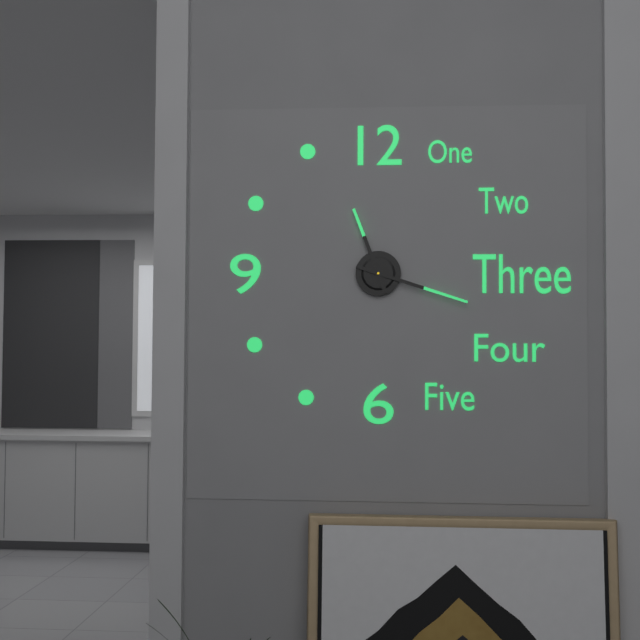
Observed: h=11 m=18
